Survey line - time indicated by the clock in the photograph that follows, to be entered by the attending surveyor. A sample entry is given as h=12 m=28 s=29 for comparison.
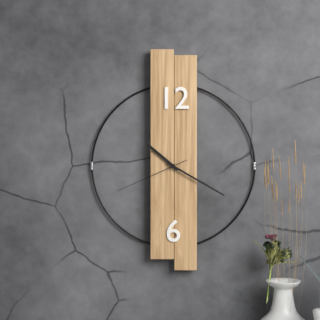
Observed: h=10 m=20 s=41
